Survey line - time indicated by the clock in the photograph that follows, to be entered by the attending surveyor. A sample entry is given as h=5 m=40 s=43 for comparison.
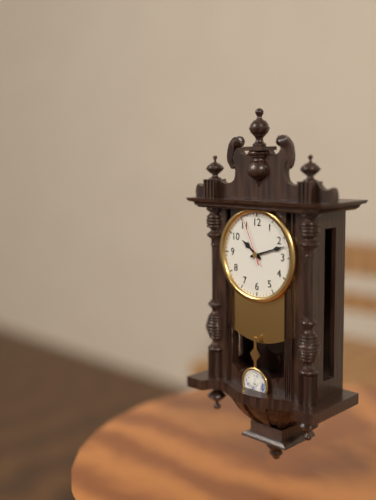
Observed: h=10 m=12 s=56
